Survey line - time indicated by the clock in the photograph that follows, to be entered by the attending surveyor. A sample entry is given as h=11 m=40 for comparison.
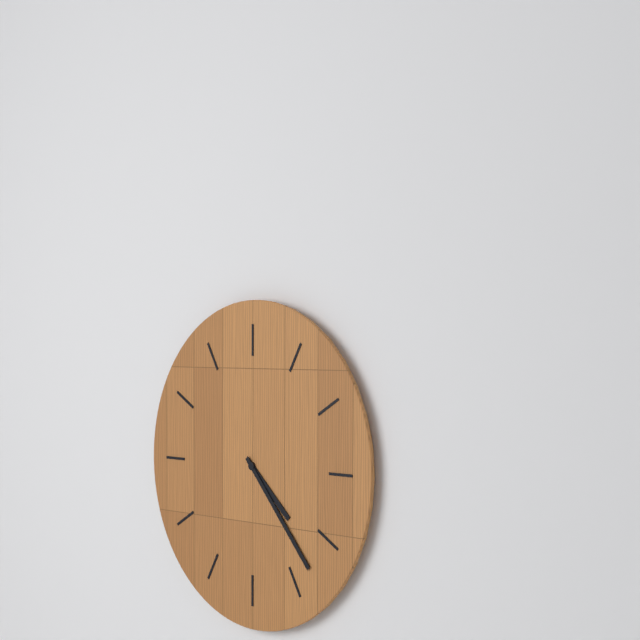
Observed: h=4 m=23
